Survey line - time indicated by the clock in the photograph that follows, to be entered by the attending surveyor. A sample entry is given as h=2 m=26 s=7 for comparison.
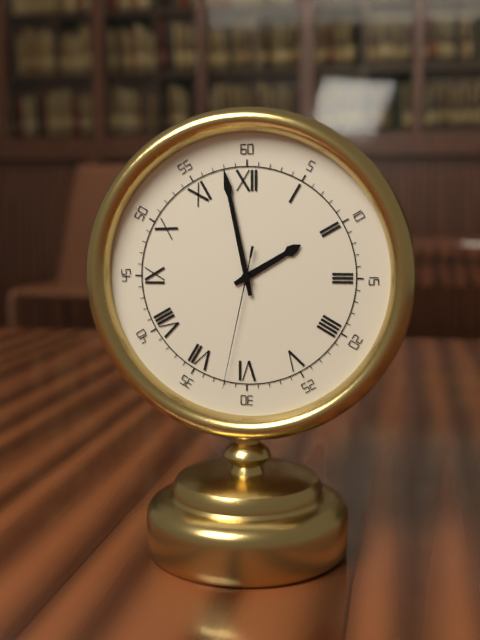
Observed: h=1 m=58 s=32
